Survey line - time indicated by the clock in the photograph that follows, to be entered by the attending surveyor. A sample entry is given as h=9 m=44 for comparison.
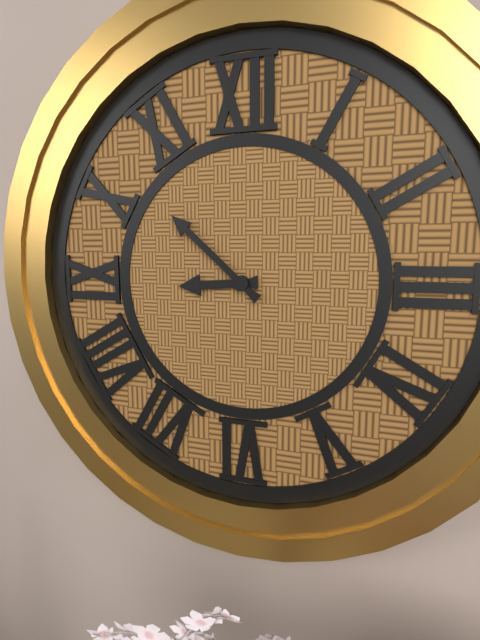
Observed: h=8 m=52
